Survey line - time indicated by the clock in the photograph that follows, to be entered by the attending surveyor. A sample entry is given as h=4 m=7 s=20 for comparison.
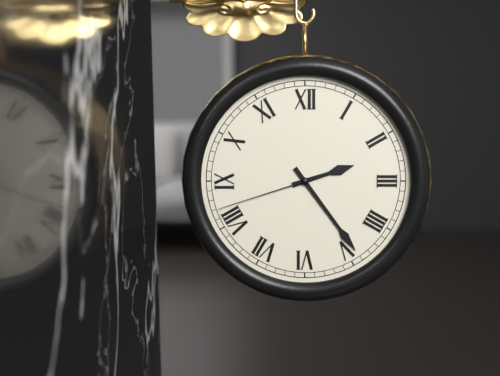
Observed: h=2 m=24 s=42
